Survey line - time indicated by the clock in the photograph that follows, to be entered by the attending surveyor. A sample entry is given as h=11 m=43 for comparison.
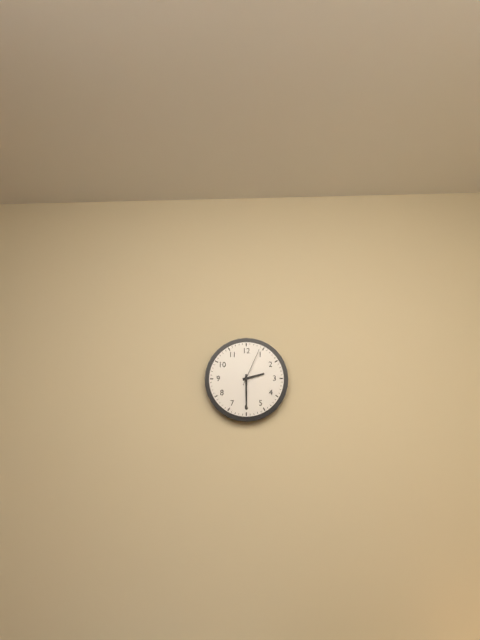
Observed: h=2 m=30
